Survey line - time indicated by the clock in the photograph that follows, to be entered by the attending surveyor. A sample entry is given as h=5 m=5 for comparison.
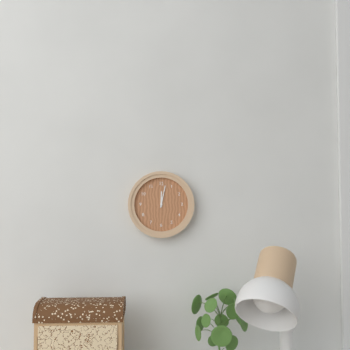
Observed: h=12 m=2
